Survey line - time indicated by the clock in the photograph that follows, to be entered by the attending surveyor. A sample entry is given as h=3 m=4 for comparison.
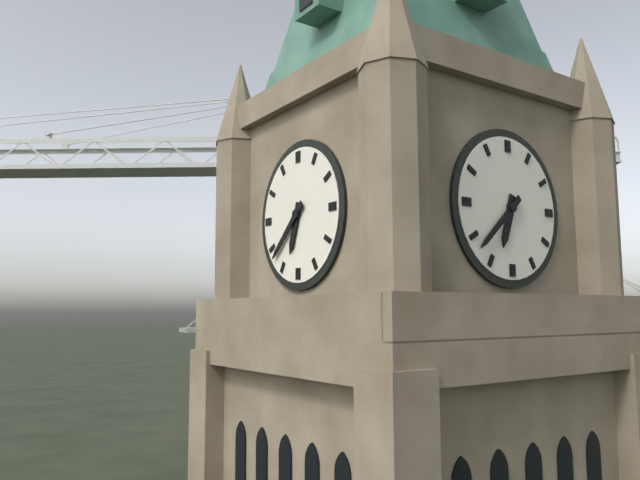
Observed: h=6 m=38
